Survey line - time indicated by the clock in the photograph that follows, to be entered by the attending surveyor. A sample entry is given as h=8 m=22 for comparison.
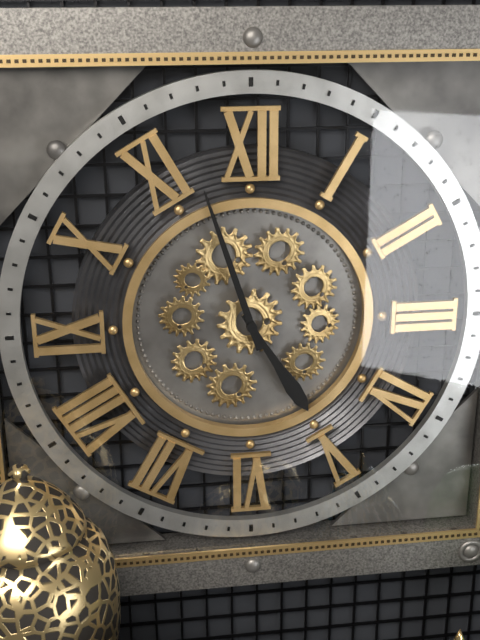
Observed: h=4 m=57
